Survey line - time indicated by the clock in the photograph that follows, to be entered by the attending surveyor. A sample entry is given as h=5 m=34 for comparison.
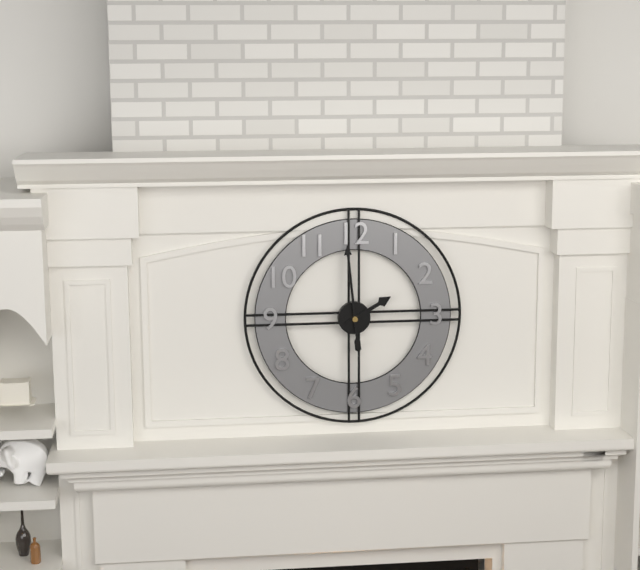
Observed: h=1 m=59
